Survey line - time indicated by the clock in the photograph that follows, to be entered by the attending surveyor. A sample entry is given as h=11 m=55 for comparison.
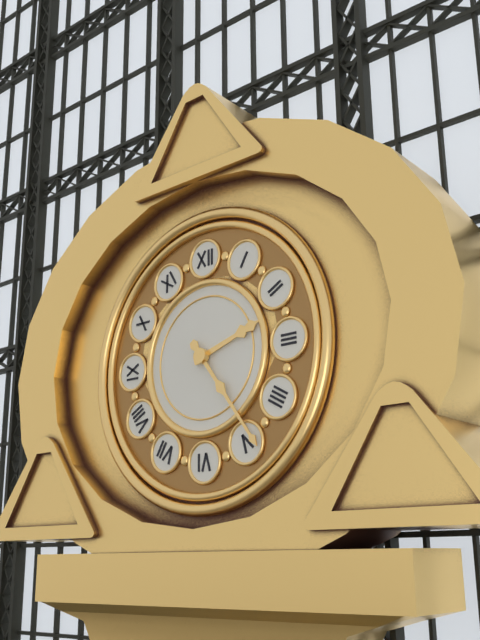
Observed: h=2 m=24
